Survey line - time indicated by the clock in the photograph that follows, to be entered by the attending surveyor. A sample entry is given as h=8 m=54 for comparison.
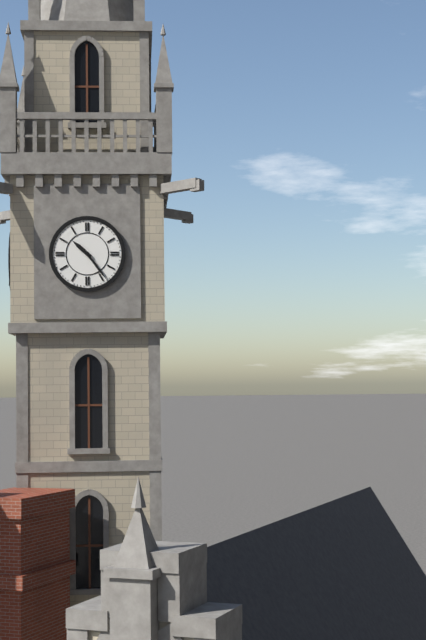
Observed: h=10 m=24
